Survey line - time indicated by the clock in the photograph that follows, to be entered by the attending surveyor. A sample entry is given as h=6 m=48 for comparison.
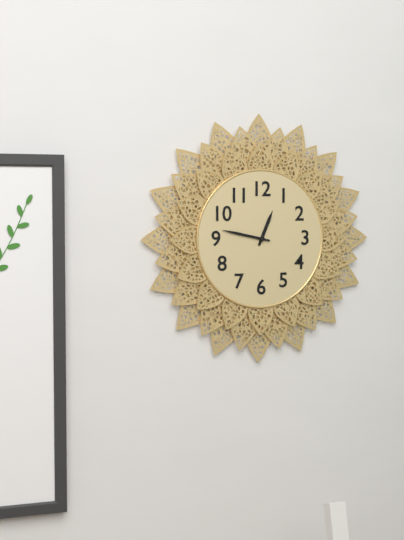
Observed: h=12 m=47
